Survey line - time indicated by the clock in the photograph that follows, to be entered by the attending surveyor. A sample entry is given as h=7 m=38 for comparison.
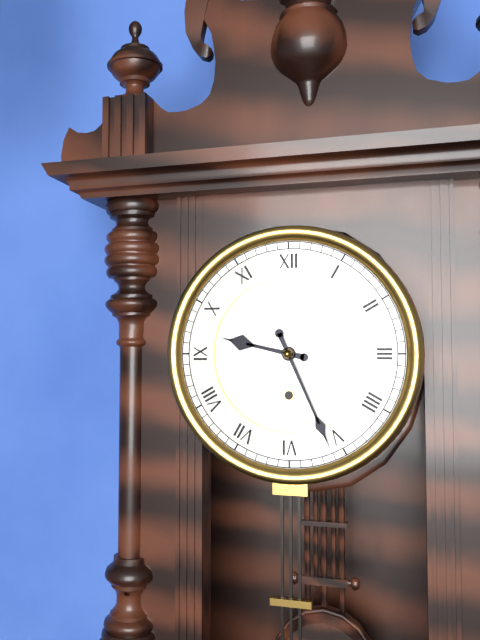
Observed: h=9 m=26
